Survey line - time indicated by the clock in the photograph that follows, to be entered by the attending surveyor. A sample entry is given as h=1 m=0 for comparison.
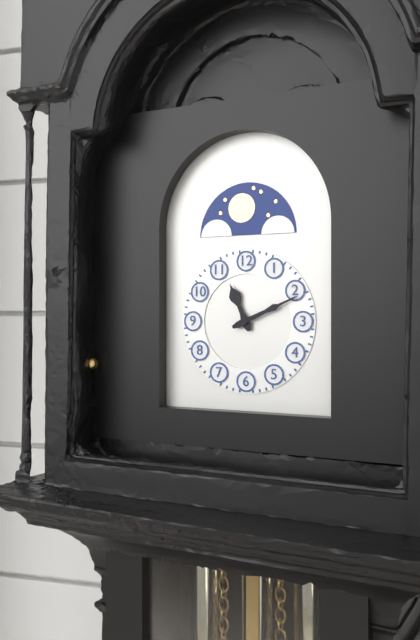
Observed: h=11 m=11
